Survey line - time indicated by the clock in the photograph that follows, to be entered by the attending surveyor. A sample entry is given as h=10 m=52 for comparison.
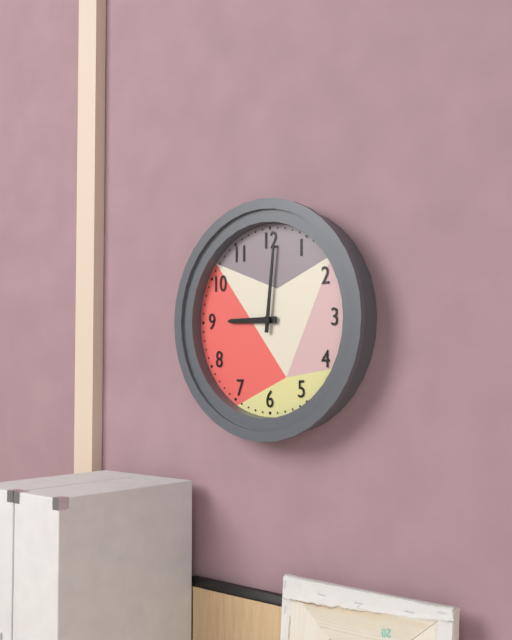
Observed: h=9 m=1
